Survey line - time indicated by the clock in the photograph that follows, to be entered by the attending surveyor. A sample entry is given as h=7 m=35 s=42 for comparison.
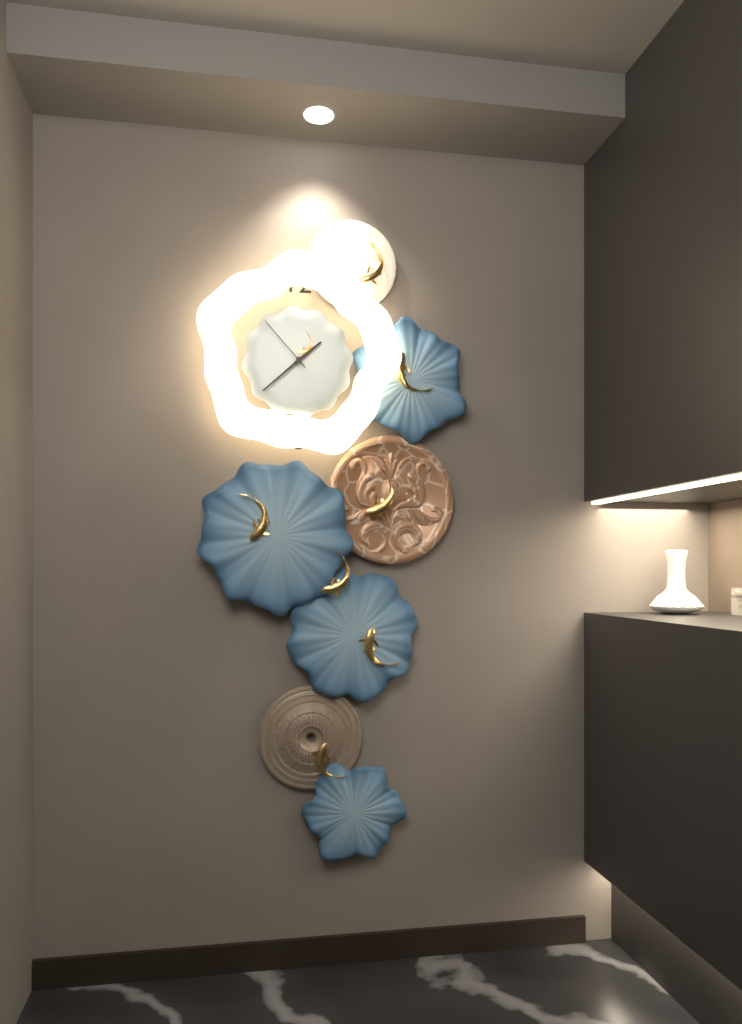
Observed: h=1 m=38 s=53
